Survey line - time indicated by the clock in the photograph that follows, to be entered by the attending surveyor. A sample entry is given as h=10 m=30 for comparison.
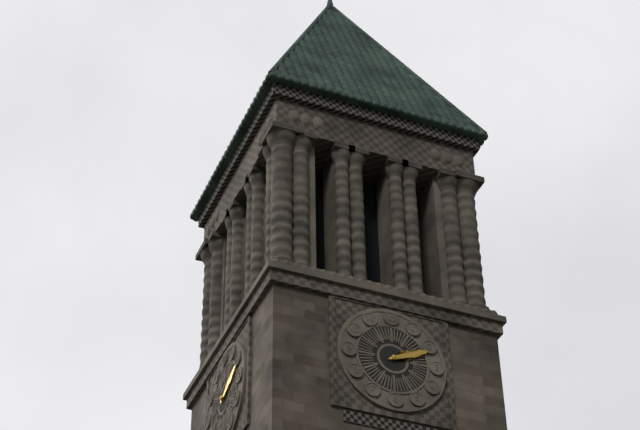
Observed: h=2 m=11
